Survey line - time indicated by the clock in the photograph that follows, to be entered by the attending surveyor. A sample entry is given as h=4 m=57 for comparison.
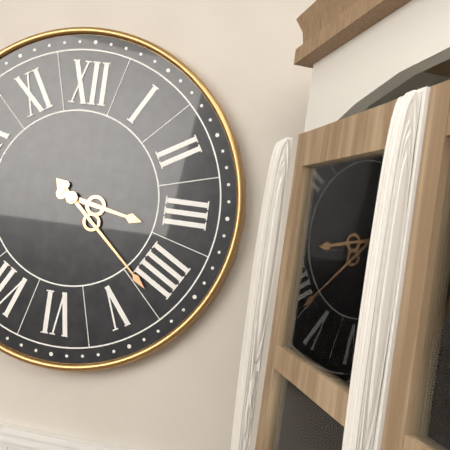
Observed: h=3 m=22
